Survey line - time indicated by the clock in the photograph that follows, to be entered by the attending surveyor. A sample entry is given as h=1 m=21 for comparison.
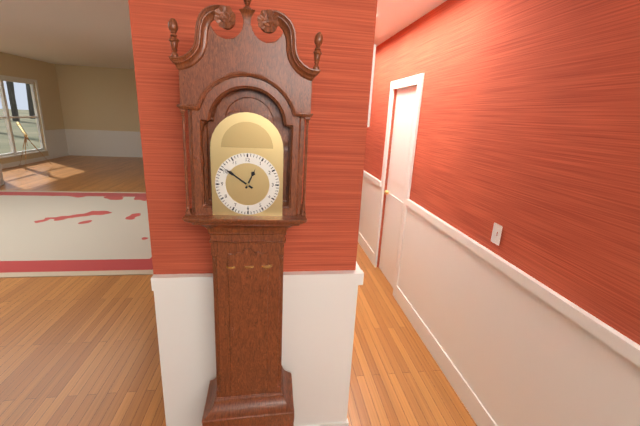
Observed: h=12 m=51
